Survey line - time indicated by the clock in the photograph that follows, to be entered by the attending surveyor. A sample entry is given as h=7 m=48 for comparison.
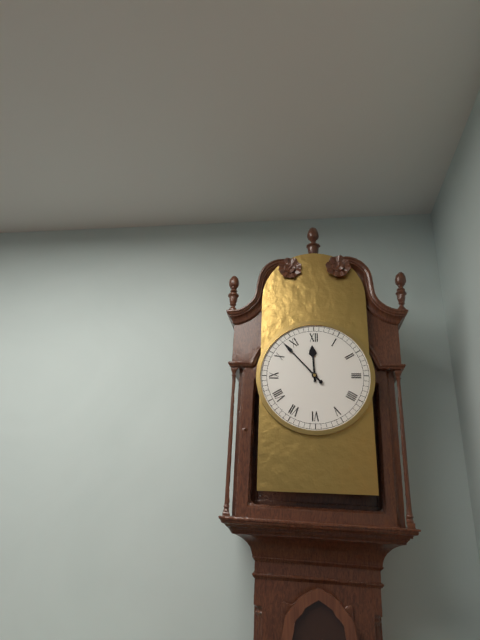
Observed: h=11 m=53
